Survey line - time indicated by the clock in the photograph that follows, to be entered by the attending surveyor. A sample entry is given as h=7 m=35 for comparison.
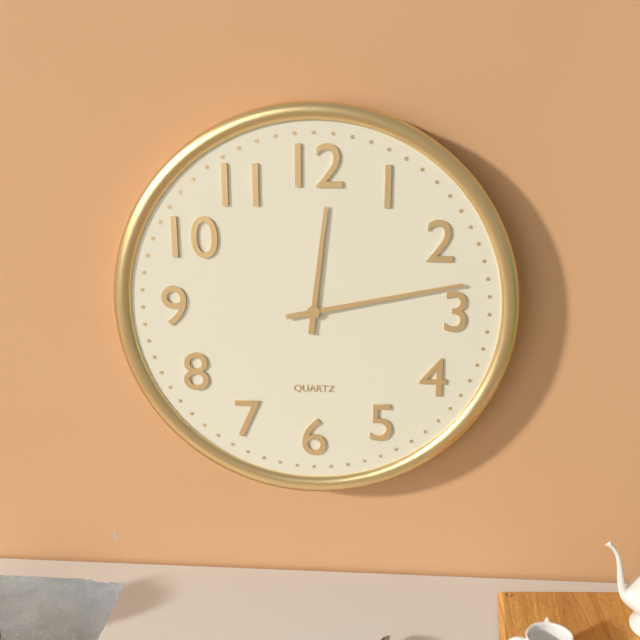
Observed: h=12 m=13
